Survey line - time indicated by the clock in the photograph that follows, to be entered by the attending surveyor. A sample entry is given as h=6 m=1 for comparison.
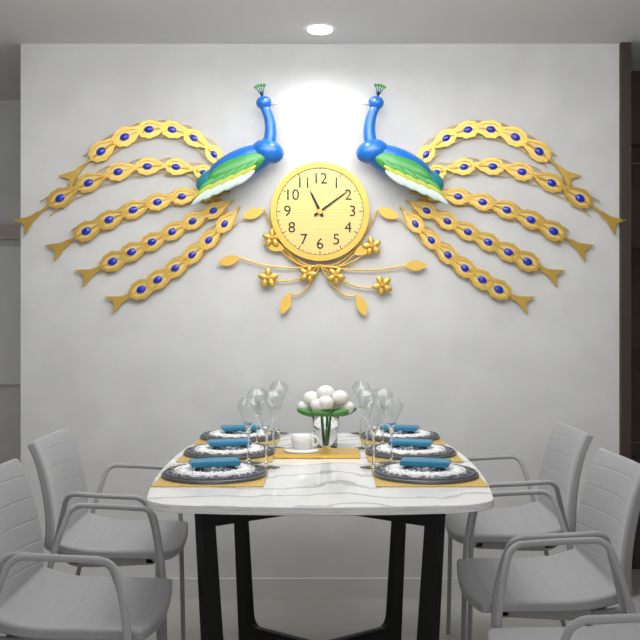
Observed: h=11 m=9
